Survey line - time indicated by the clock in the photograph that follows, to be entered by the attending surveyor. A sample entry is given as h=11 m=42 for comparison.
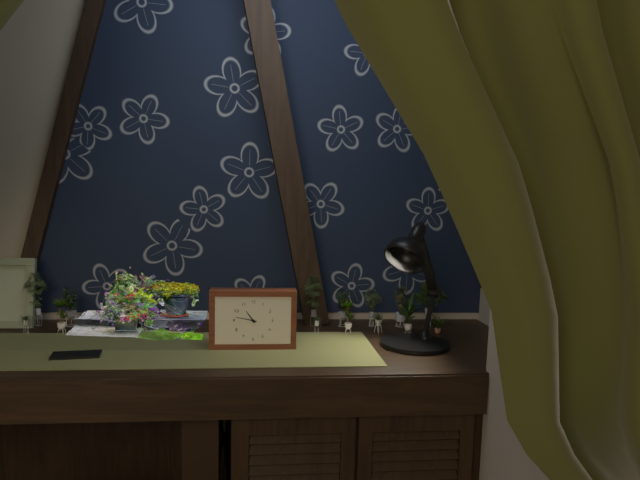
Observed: h=10 m=47
